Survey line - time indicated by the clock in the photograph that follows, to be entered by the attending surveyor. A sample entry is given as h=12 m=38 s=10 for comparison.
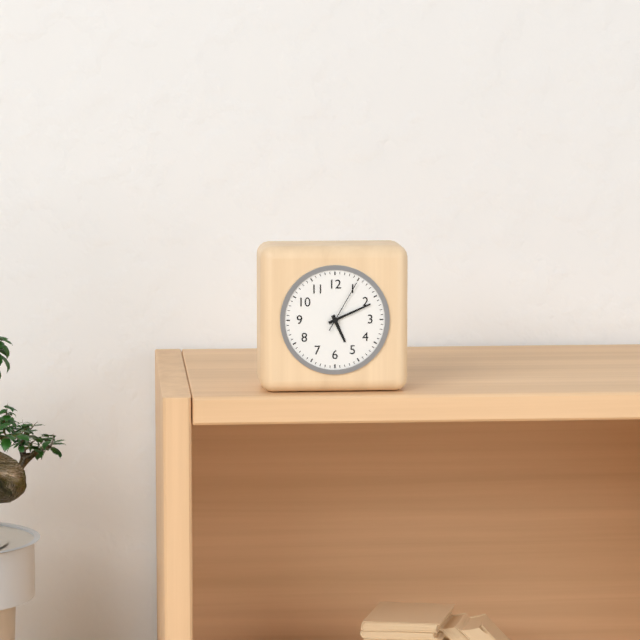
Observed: h=5 m=11 s=5
